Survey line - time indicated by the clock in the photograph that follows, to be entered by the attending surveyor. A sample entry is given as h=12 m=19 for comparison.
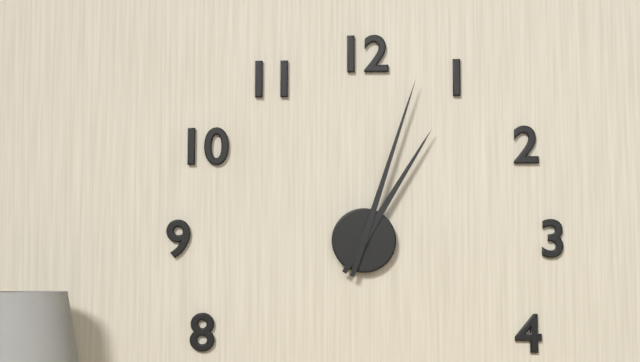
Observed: h=1 m=3
